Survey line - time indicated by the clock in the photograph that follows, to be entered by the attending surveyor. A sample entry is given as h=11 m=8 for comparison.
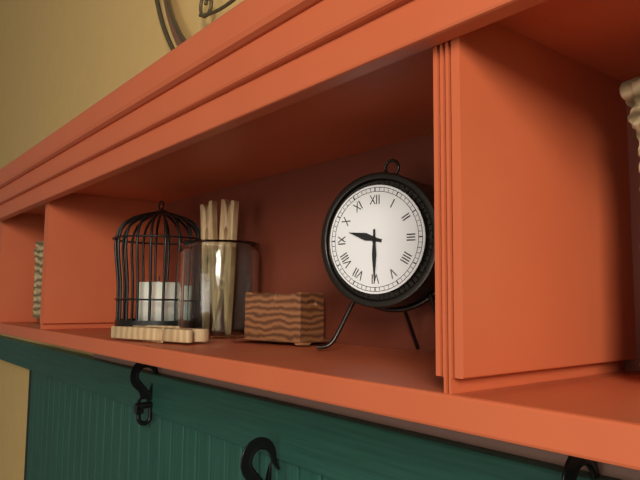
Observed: h=9 m=30
